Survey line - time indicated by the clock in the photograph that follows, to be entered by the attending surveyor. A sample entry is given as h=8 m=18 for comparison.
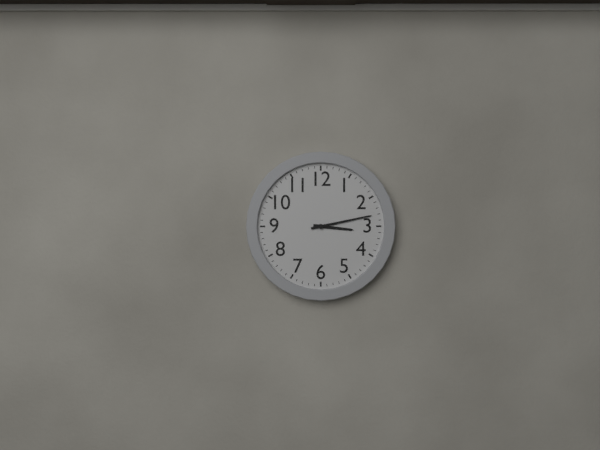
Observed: h=3 m=13
